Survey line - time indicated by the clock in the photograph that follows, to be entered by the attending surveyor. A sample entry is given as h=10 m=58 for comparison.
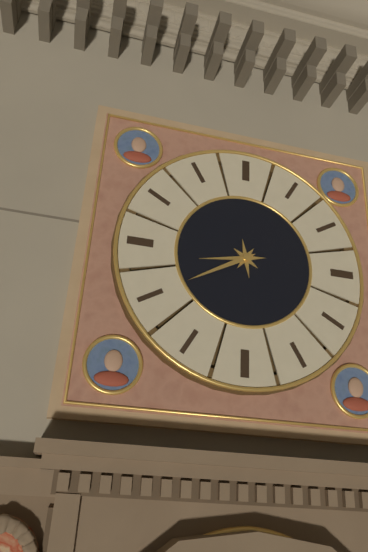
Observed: h=8 m=40
